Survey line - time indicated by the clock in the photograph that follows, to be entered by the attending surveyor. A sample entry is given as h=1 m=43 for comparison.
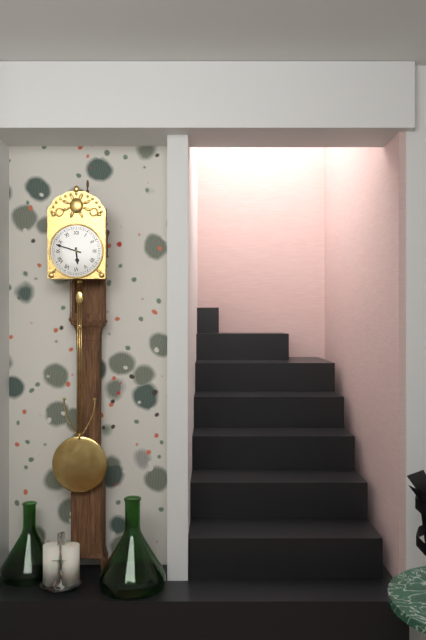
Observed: h=5 m=48
